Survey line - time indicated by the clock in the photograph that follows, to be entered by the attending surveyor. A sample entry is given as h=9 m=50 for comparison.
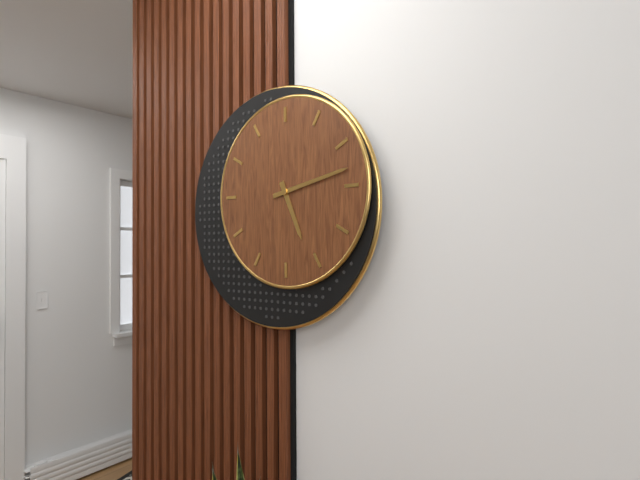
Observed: h=5 m=13
